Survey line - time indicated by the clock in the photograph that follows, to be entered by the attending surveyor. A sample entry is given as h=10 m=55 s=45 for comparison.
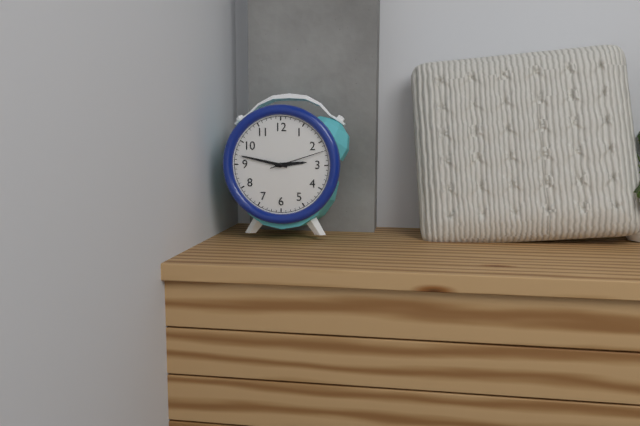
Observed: h=2 m=47 s=12
